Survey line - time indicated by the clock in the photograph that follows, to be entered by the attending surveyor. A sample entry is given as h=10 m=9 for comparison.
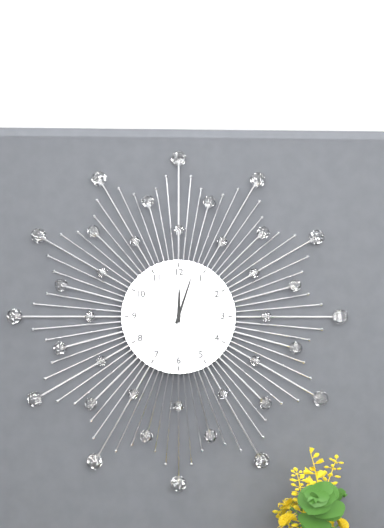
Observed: h=12 m=3
